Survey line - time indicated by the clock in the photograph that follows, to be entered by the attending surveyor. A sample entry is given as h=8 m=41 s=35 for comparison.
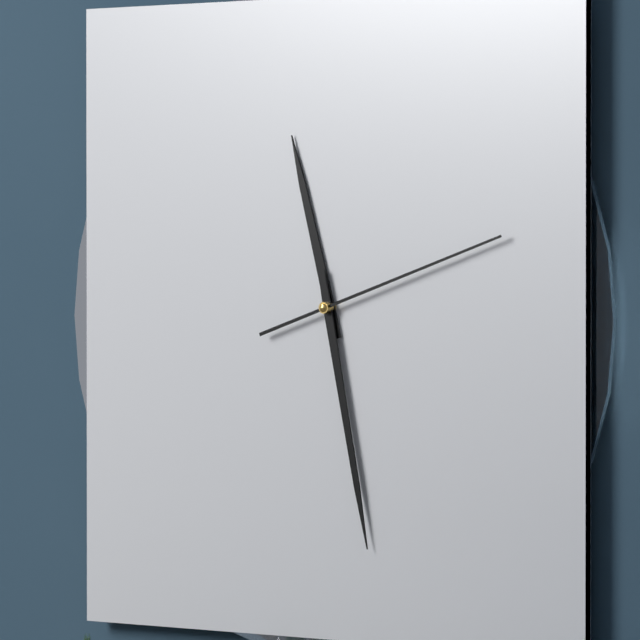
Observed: h=11 m=28 s=12
